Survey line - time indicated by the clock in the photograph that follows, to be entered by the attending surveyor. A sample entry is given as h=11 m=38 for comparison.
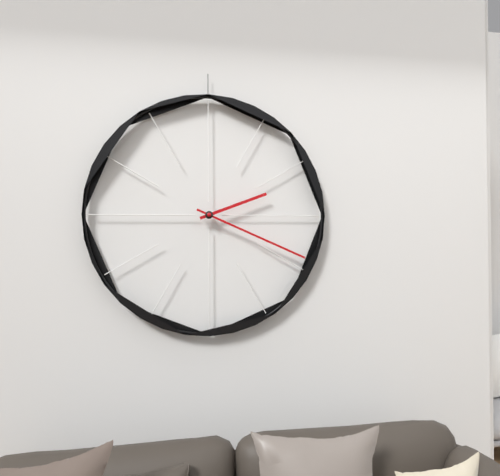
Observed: h=2 m=19
